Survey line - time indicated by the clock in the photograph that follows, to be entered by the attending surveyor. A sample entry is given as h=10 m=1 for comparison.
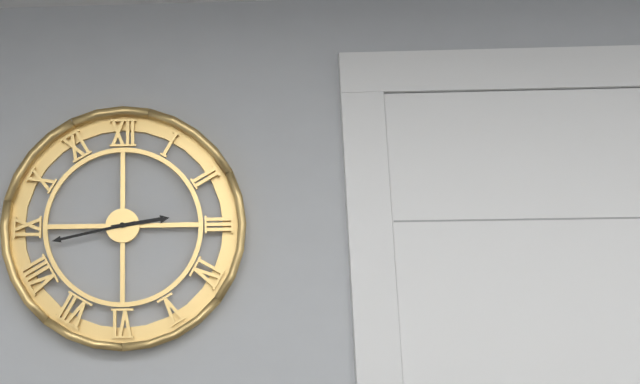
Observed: h=2 m=43
